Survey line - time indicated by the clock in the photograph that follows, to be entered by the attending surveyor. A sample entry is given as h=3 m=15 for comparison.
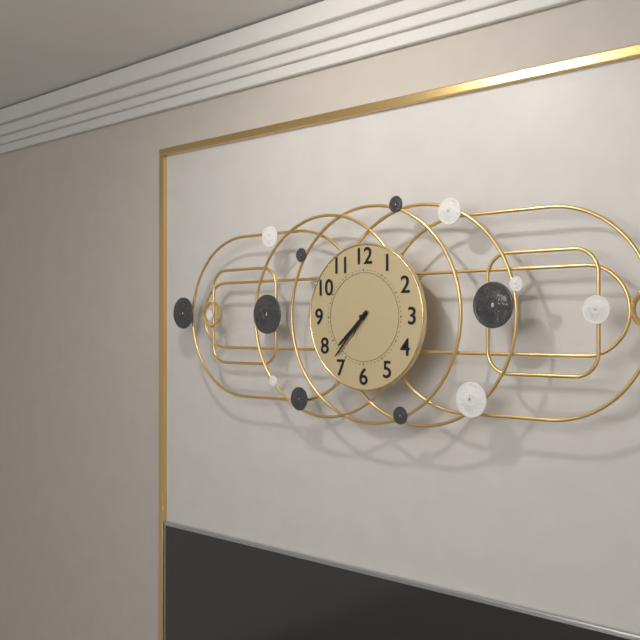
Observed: h=7 m=37
